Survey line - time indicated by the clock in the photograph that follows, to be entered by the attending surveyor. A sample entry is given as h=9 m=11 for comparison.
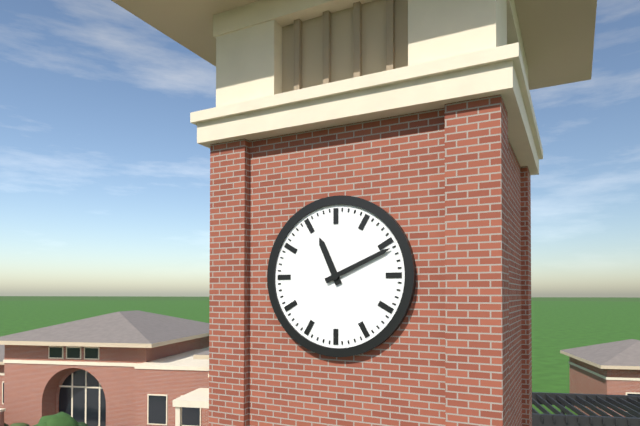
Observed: h=11 m=11
